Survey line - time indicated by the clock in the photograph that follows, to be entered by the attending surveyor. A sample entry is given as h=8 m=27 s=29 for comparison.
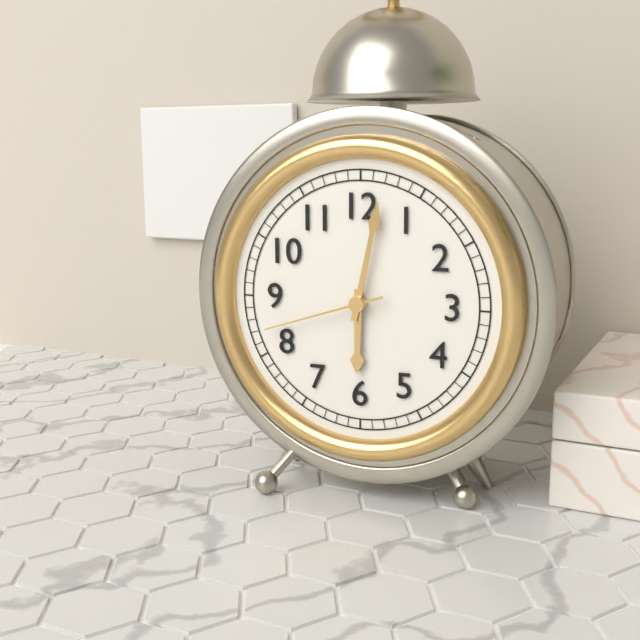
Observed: h=6 m=2 s=42
